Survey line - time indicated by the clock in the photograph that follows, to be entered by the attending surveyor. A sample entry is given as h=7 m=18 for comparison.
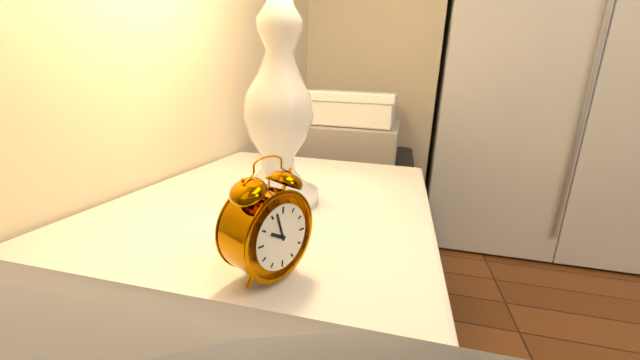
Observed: h=9 m=57
